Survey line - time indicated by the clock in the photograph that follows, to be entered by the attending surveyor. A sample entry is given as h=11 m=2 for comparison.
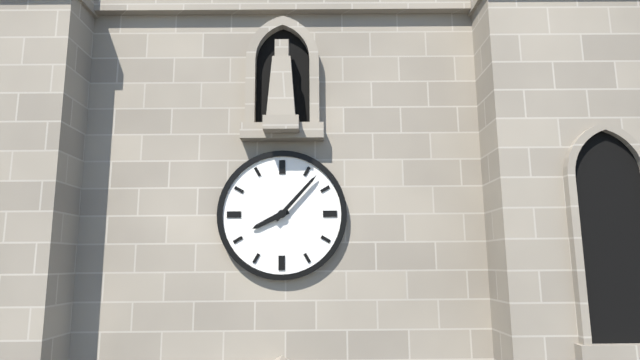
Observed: h=8 m=7
